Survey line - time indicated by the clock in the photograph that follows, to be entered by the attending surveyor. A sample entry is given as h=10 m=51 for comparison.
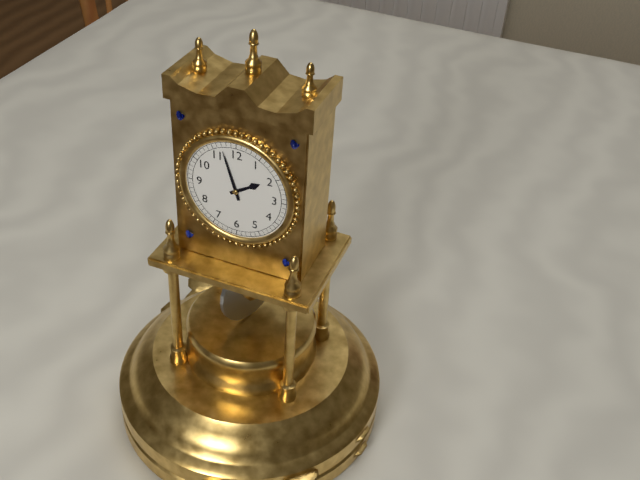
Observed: h=1 m=57
